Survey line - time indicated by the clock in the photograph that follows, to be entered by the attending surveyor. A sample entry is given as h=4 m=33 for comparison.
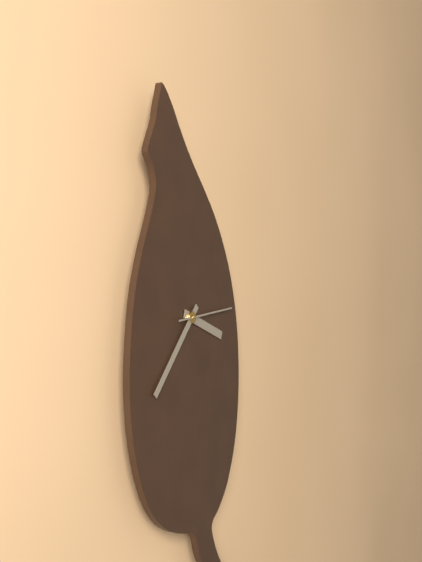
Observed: h=3 m=37
